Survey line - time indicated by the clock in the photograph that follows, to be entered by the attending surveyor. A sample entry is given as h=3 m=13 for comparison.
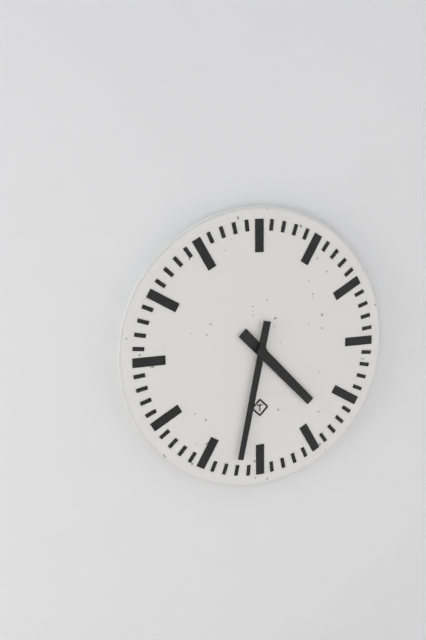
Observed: h=4 m=32
